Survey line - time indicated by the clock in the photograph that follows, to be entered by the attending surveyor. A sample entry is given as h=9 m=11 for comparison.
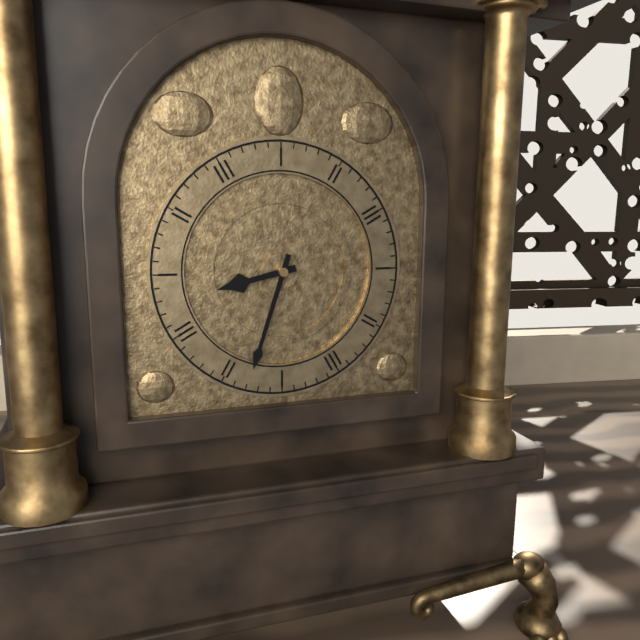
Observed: h=8 m=33
